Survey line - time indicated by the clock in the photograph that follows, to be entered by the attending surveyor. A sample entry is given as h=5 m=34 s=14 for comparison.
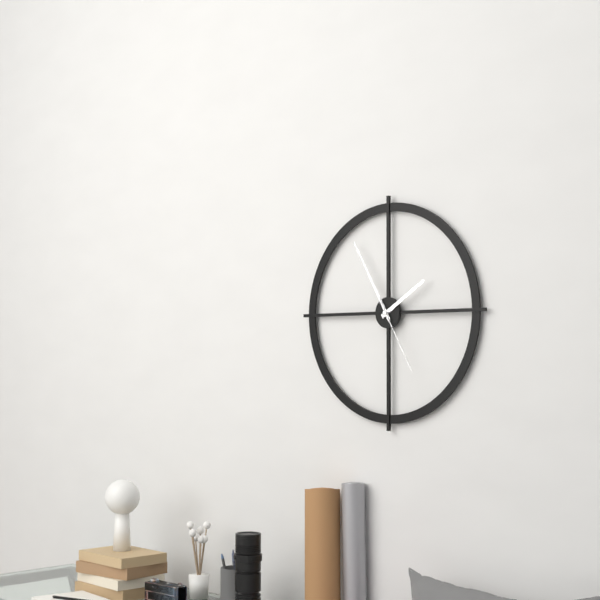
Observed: h=1 m=55 s=25
